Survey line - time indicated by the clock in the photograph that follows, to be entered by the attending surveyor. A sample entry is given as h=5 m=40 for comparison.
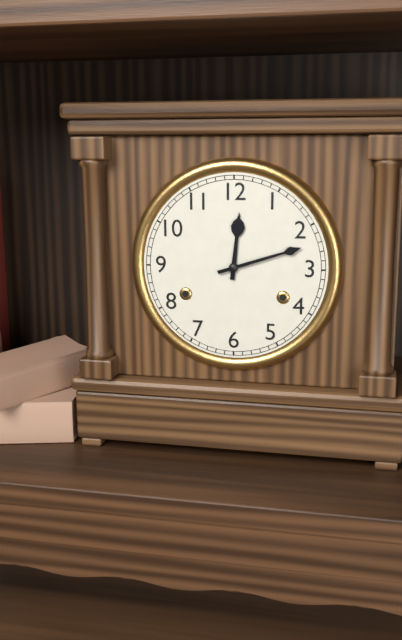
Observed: h=12 m=12
